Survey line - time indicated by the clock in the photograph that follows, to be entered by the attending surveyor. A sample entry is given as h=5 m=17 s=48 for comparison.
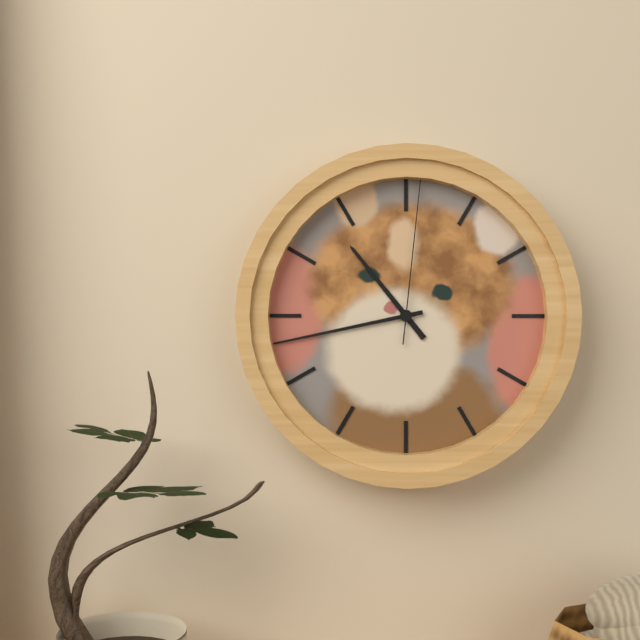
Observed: h=10 m=43 s=1
